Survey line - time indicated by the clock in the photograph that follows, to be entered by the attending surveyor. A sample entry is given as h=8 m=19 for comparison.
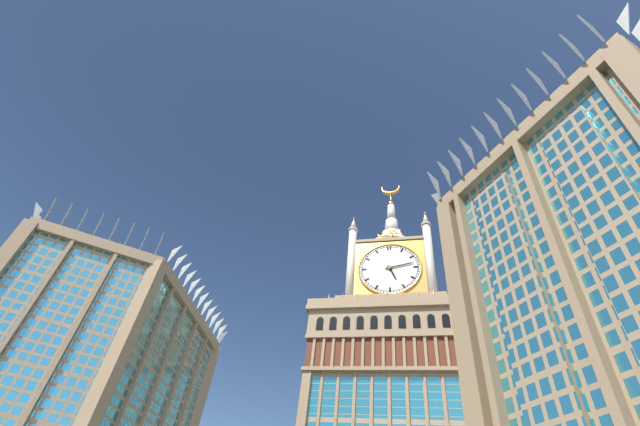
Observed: h=5 m=13
